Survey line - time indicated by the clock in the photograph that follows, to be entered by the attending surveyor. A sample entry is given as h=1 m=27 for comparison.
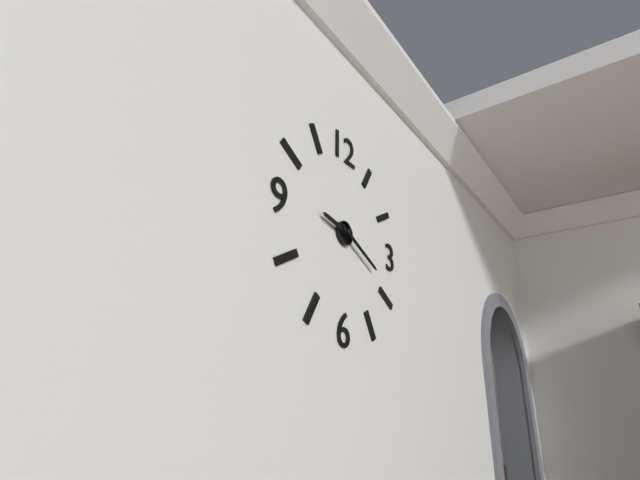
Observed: h=9 m=19
